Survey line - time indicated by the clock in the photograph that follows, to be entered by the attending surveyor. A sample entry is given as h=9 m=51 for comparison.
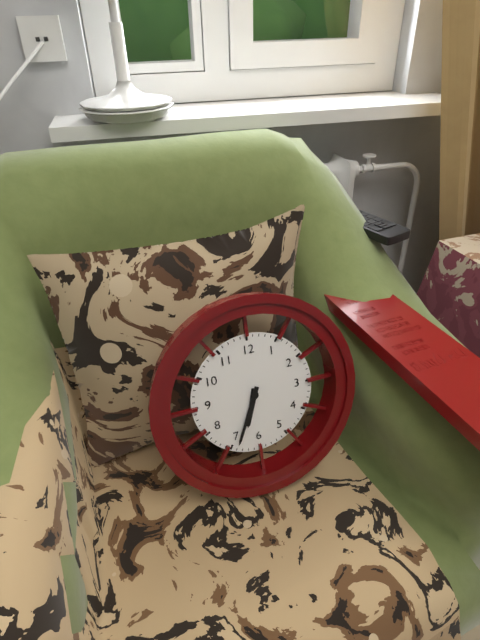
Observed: h=6 m=34
